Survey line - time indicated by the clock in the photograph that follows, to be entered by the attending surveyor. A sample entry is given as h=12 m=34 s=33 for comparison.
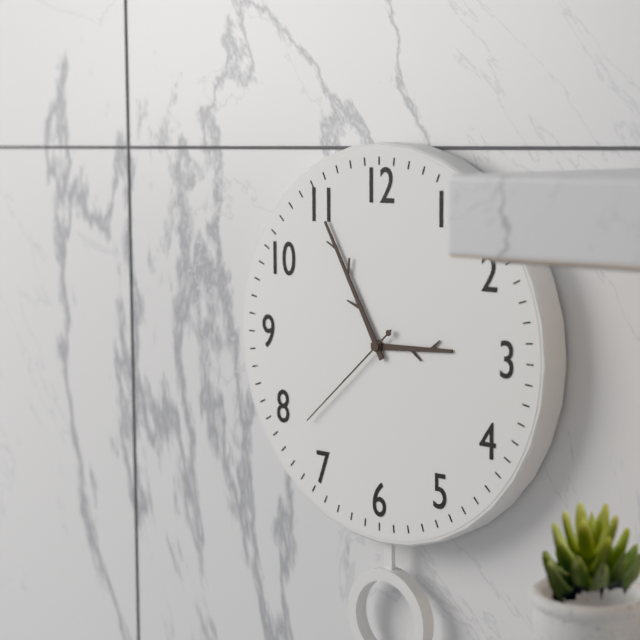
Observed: h=2 m=55 s=38
